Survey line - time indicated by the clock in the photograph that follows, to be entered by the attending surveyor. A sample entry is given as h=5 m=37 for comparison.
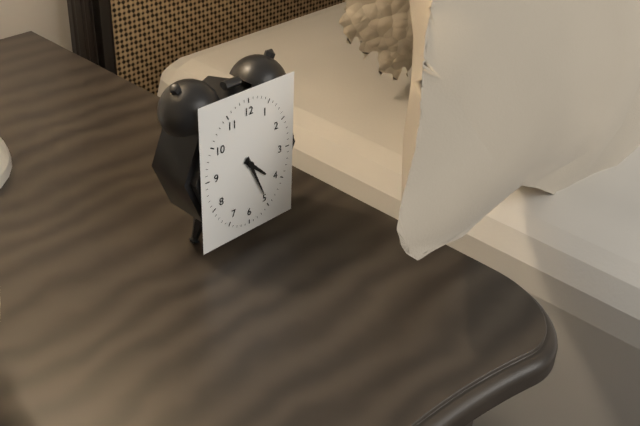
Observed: h=4 m=26
